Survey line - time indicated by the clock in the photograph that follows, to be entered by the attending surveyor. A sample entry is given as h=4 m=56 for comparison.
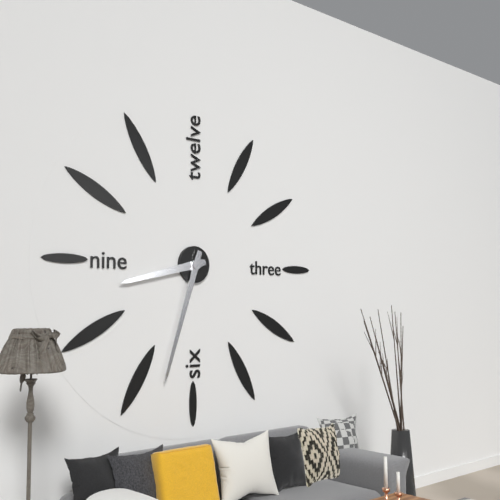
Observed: h=8 m=33
